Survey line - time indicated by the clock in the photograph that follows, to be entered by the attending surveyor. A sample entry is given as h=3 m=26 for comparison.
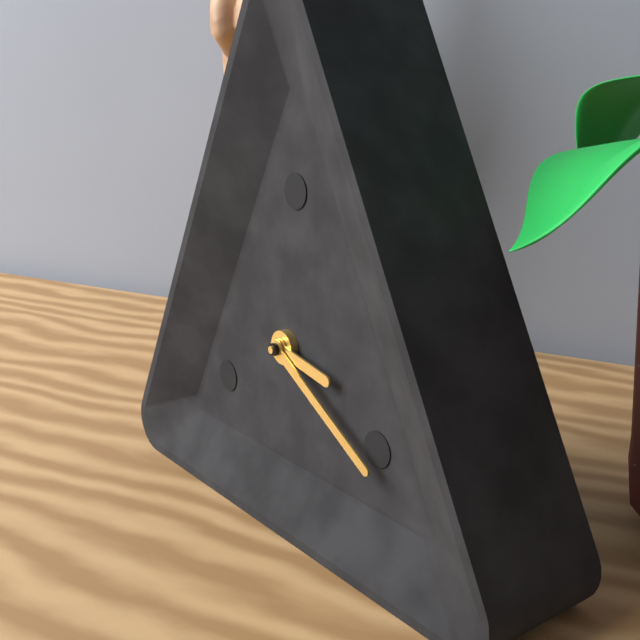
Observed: h=3 m=20
